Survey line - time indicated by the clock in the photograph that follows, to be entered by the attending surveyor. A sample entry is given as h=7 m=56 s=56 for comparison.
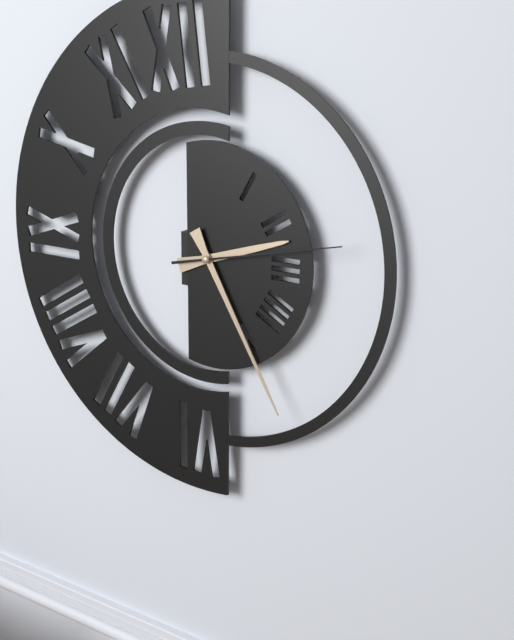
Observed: h=2 m=25 s=13
